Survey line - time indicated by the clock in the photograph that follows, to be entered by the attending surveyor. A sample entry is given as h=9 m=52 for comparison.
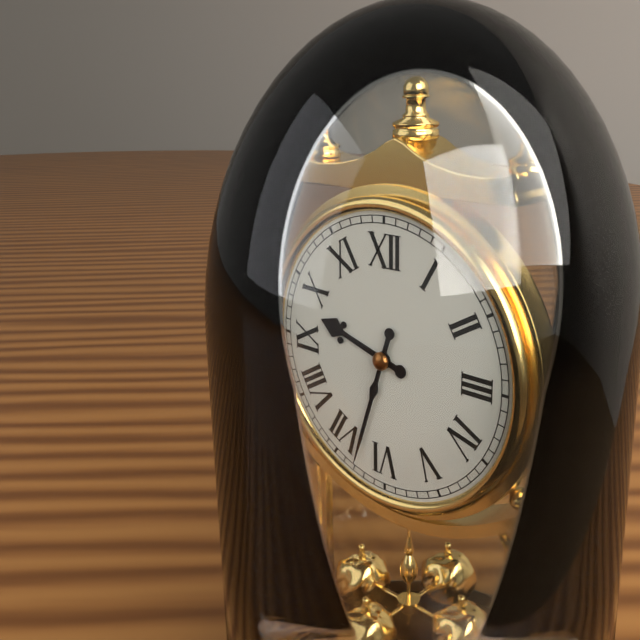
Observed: h=9 m=33
